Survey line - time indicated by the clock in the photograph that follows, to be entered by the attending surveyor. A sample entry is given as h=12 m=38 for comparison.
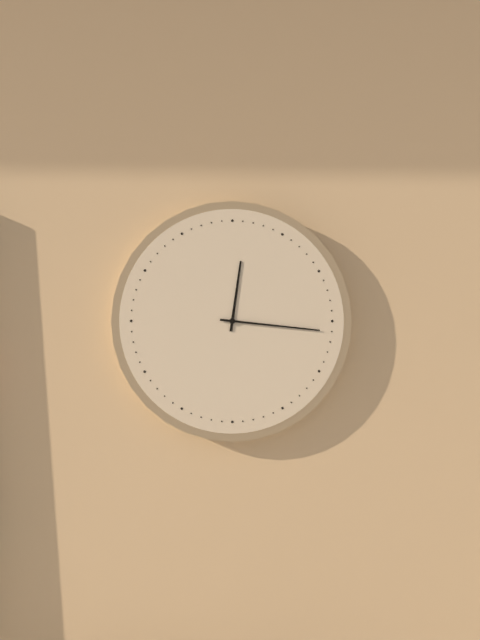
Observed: h=12 m=16
